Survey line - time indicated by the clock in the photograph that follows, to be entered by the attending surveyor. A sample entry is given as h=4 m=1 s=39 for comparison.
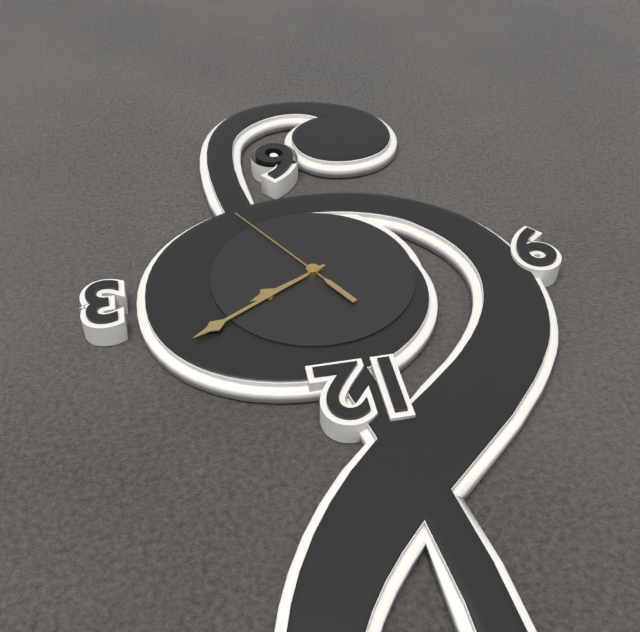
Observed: h=2 m=10 s=25
